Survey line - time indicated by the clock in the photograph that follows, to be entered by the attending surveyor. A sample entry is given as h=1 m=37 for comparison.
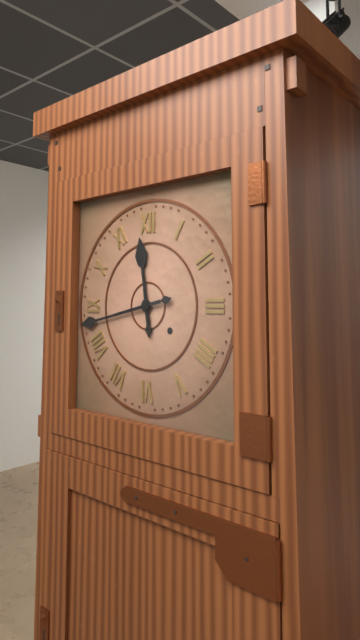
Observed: h=11 m=43
